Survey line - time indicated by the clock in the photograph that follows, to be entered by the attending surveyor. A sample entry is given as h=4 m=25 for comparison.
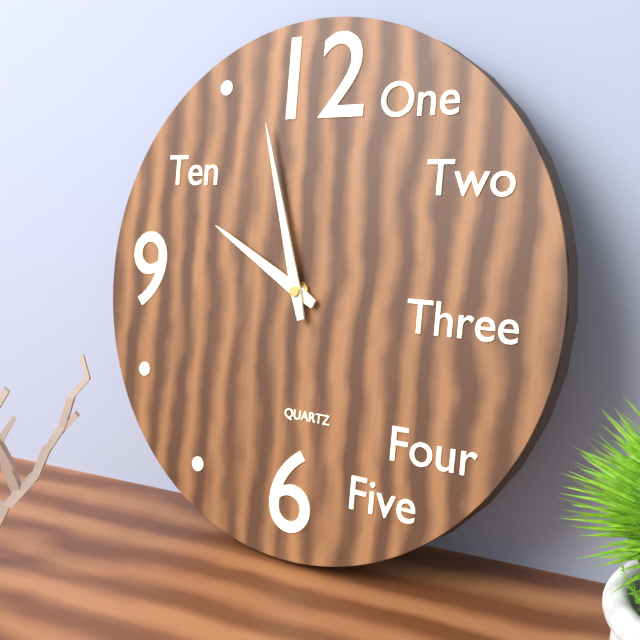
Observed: h=9 m=57
